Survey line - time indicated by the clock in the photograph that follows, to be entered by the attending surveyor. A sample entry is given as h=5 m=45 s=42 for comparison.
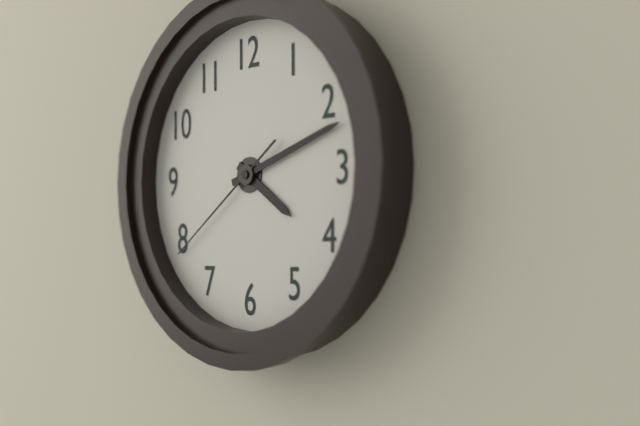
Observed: h=4 m=12 s=39
